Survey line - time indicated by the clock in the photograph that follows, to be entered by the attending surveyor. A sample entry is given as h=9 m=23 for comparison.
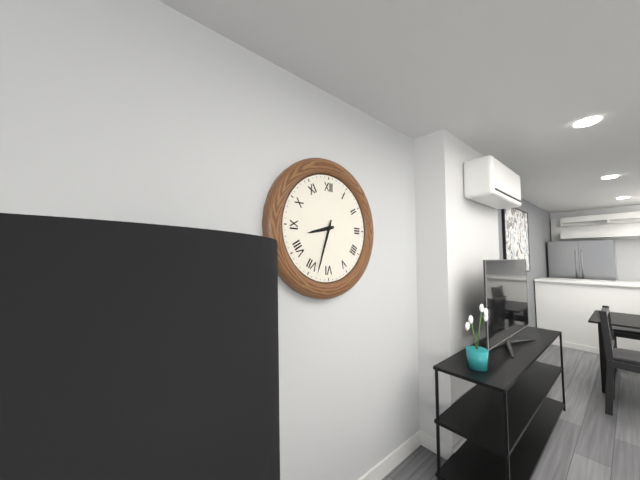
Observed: h=8 m=33
